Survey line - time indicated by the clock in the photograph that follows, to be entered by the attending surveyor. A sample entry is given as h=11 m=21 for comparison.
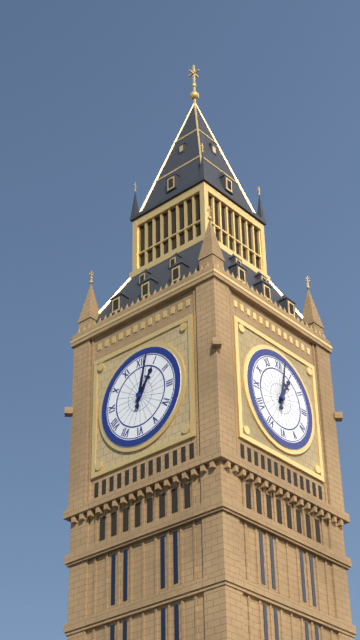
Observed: h=1 m=2
